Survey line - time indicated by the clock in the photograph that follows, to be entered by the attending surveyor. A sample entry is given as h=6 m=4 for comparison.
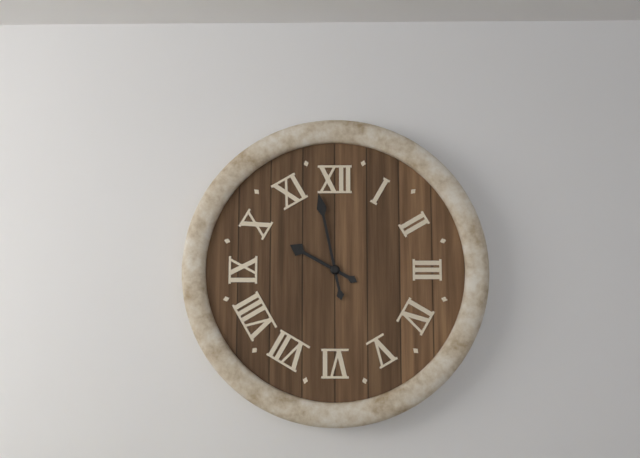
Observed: h=9 m=58
